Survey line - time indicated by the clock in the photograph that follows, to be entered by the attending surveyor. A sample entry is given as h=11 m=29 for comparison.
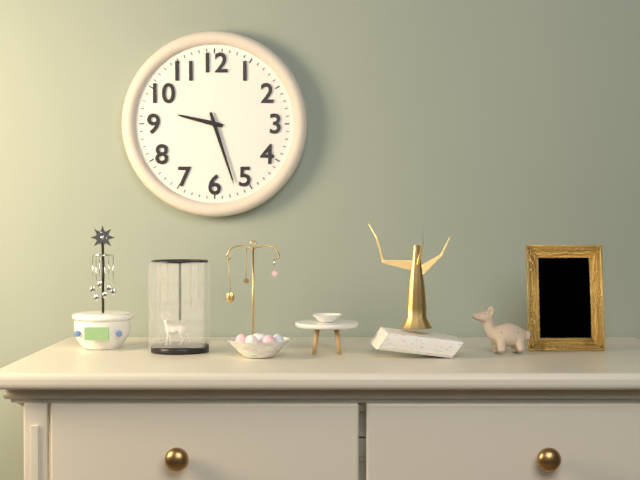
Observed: h=9 m=27
